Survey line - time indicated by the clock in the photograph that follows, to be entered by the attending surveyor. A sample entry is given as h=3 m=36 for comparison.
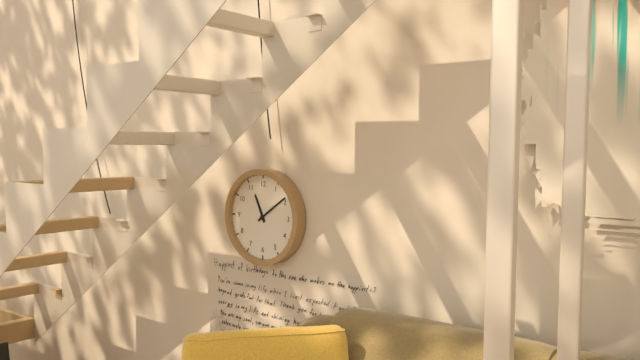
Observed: h=11 m=9
